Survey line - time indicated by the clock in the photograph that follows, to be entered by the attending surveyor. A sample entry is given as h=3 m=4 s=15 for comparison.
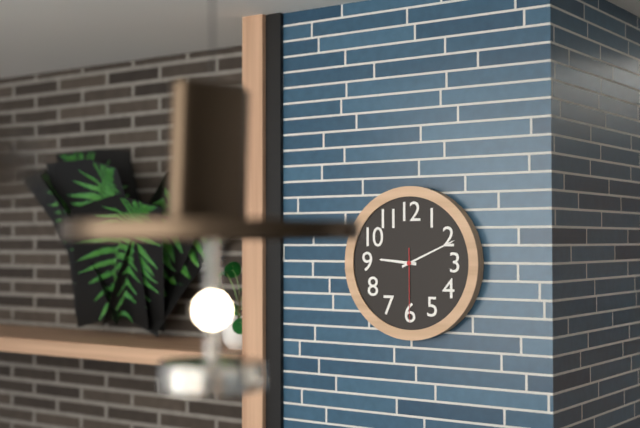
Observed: h=9 m=11 s=30
